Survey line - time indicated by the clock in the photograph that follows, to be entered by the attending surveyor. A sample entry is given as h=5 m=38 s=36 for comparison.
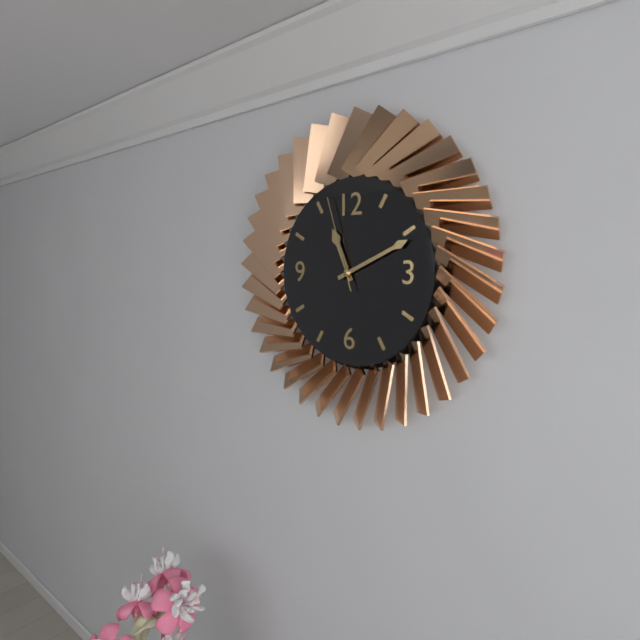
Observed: h=11 m=11 s=57
